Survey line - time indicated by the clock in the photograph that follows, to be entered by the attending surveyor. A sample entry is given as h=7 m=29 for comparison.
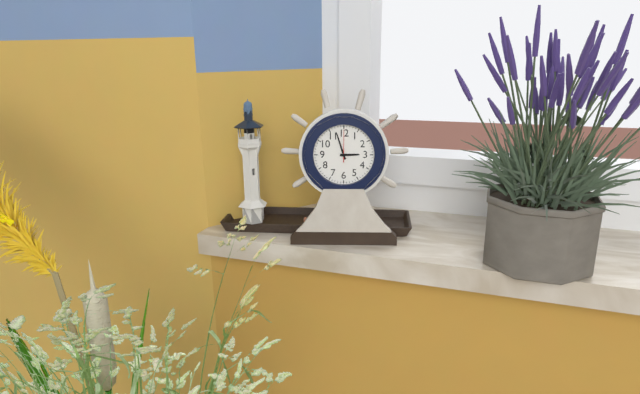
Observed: h=2 m=57
